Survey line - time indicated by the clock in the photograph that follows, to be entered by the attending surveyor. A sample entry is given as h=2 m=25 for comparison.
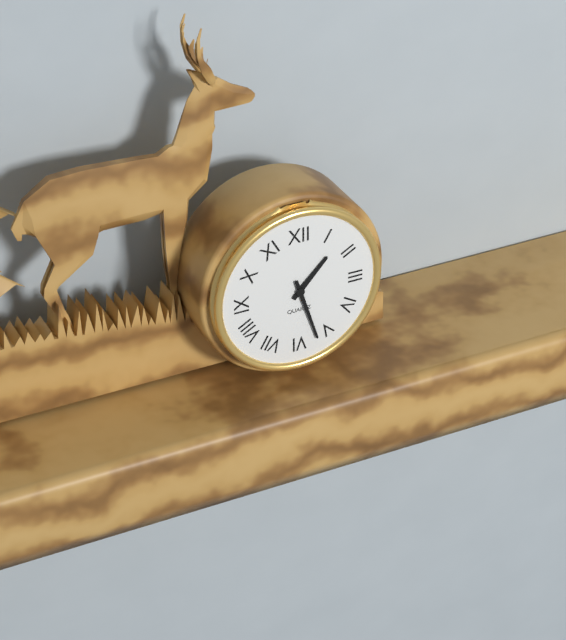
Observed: h=1 m=27
